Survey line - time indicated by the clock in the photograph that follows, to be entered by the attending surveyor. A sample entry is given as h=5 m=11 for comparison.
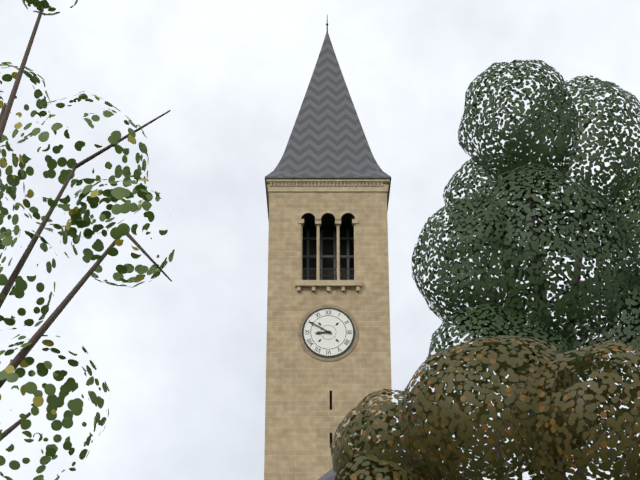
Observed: h=8 m=50
